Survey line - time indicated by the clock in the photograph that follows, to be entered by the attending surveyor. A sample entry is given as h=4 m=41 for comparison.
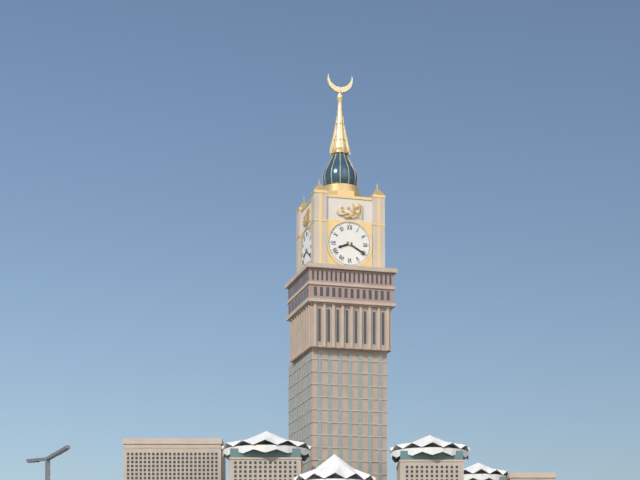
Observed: h=8 m=20
